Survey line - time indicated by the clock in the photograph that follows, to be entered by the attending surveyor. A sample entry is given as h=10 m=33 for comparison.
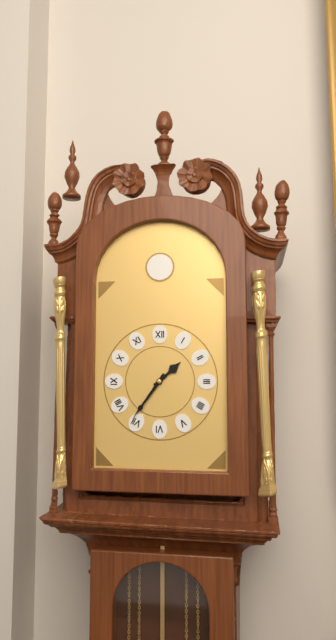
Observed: h=1 m=36
